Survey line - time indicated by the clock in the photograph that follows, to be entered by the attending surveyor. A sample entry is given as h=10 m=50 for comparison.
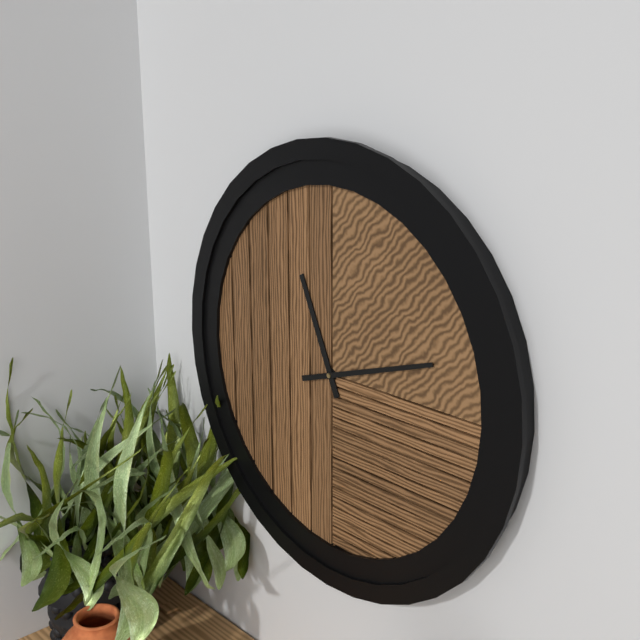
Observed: h=11 m=12
